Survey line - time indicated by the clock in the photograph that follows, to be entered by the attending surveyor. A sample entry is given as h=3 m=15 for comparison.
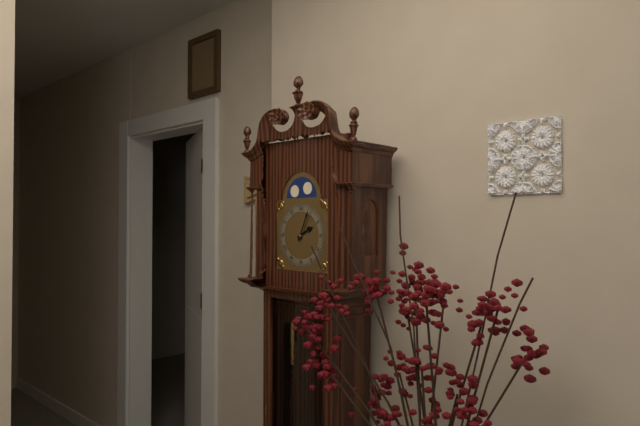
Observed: h=2 m=4
